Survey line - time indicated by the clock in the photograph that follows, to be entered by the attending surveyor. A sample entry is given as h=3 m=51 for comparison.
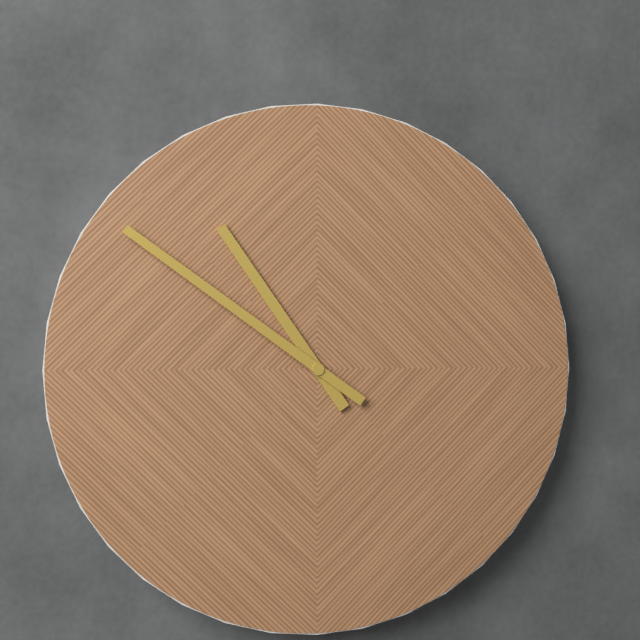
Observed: h=10 m=51
